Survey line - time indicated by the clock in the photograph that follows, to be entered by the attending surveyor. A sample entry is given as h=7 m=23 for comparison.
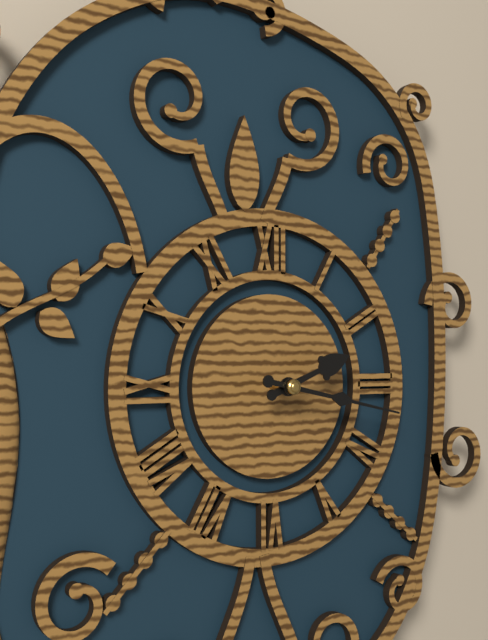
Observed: h=2 m=17
